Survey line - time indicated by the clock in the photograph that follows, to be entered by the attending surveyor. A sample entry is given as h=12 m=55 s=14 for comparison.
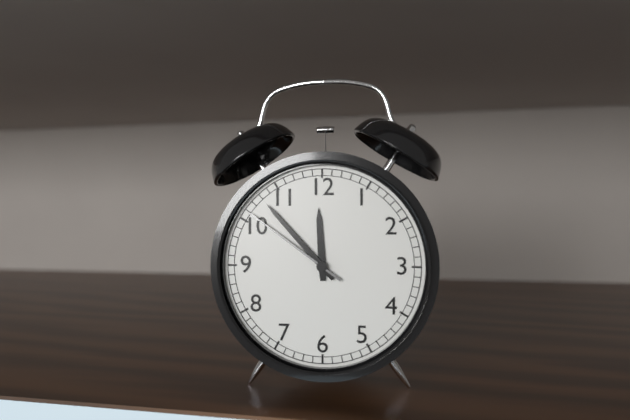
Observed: h=11 m=53 s=51
